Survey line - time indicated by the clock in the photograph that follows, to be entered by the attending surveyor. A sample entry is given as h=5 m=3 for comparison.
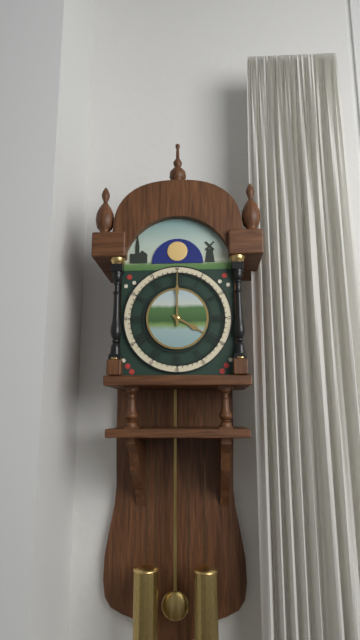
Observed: h=4 m=0
